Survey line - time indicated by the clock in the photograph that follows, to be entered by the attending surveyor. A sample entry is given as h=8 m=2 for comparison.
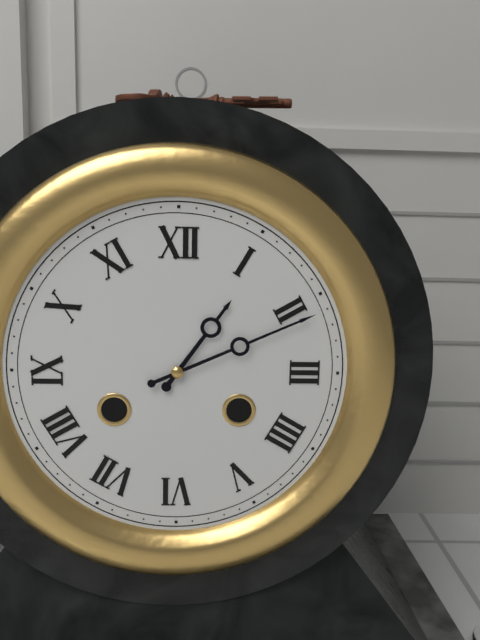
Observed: h=1 m=11
